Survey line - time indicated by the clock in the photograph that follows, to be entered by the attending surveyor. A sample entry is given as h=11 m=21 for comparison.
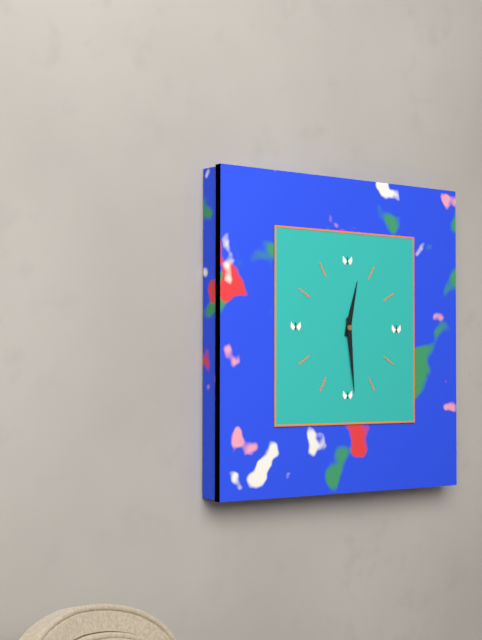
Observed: h=12 m=29
